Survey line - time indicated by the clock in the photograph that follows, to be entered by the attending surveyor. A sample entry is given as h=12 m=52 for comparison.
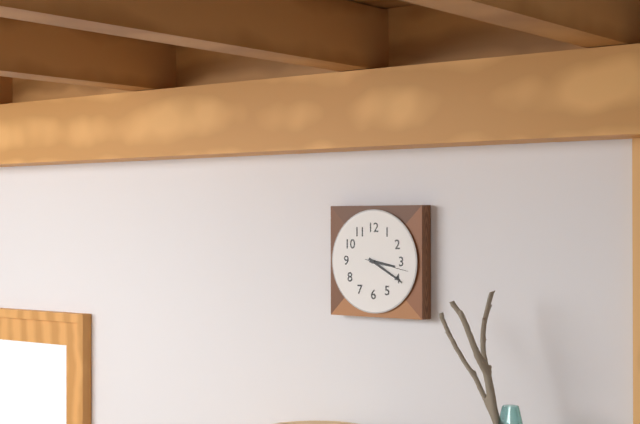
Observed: h=3 m=20
